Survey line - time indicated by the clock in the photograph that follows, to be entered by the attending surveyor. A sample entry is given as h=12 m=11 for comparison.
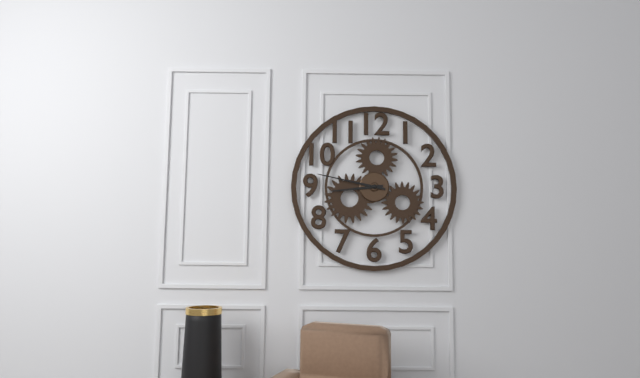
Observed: h=8 m=47
